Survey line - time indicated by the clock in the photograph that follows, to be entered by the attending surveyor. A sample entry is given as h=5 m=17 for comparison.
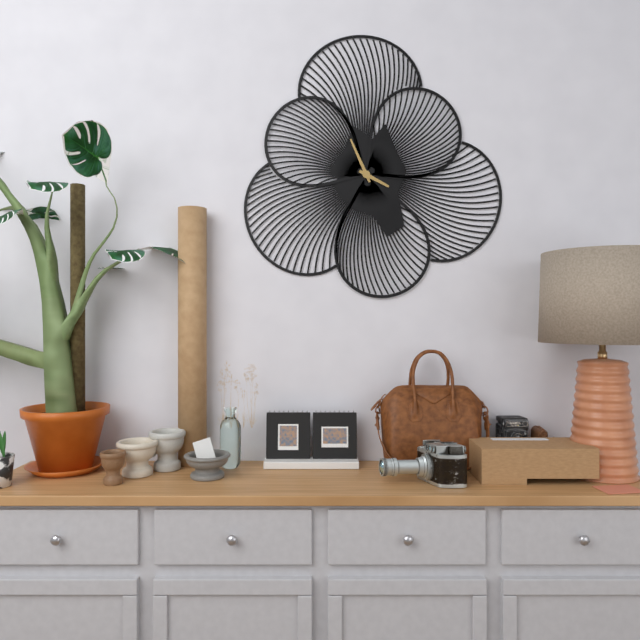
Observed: h=3 m=56
